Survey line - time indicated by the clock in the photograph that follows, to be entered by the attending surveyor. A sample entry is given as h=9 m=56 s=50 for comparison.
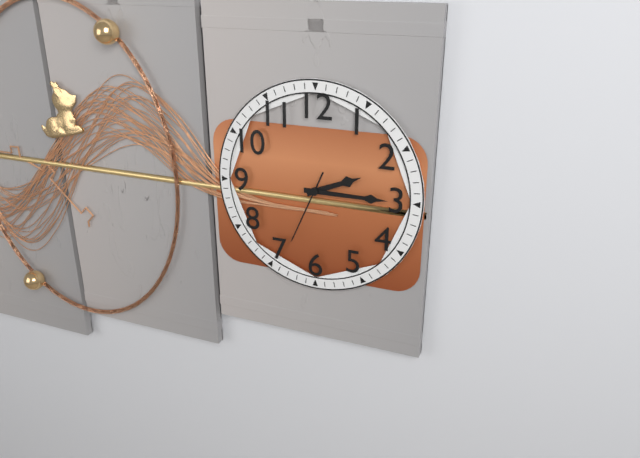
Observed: h=2 m=15 s=34
